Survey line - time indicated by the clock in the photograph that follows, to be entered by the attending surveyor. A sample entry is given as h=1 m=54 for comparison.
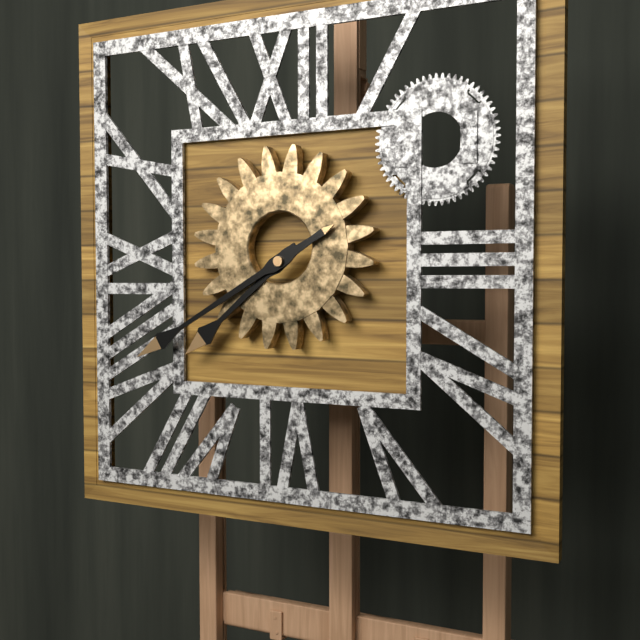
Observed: h=7 m=40
